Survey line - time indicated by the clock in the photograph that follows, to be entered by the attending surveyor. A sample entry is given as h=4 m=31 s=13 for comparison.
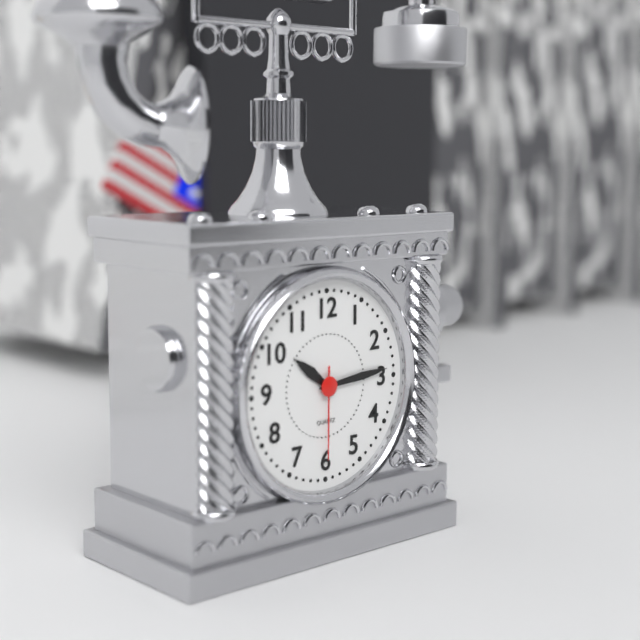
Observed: h=10 m=14 s=30
